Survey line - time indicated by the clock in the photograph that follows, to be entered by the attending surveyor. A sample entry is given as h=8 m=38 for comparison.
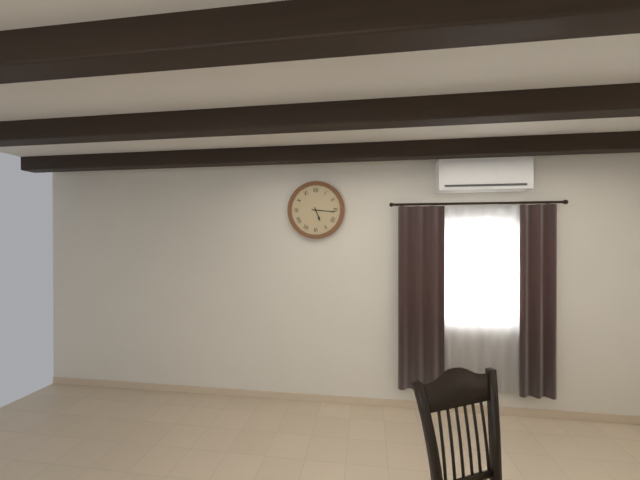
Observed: h=5 m=16
